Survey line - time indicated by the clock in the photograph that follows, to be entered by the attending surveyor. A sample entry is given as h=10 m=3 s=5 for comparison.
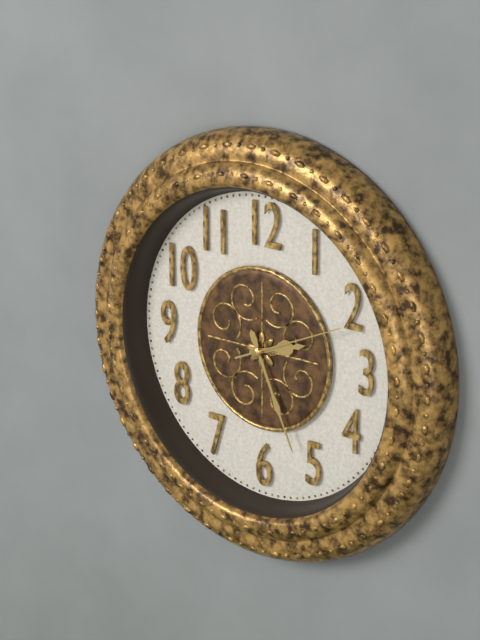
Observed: h=2 m=26 s=11
